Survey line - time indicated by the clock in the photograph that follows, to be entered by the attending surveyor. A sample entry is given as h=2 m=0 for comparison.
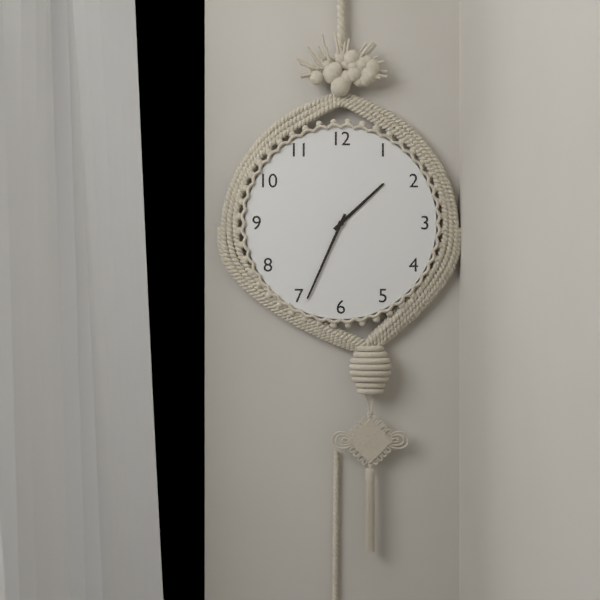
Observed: h=1 m=34
